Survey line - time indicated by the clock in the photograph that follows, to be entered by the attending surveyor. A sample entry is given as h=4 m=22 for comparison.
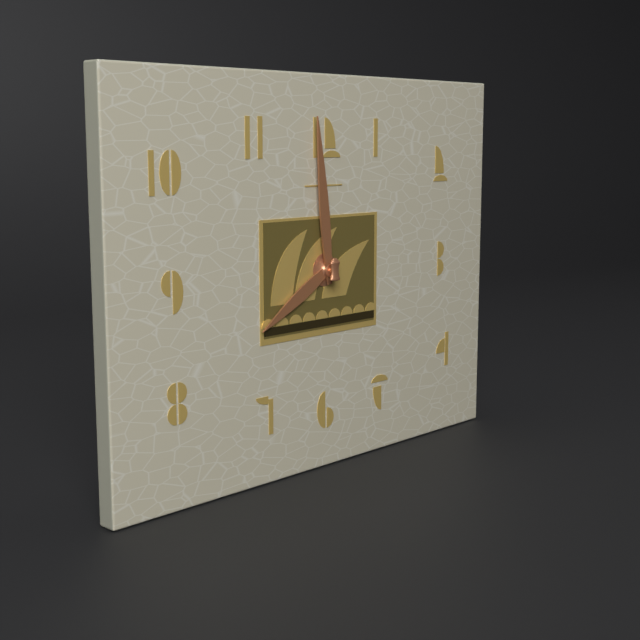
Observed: h=7 m=59
